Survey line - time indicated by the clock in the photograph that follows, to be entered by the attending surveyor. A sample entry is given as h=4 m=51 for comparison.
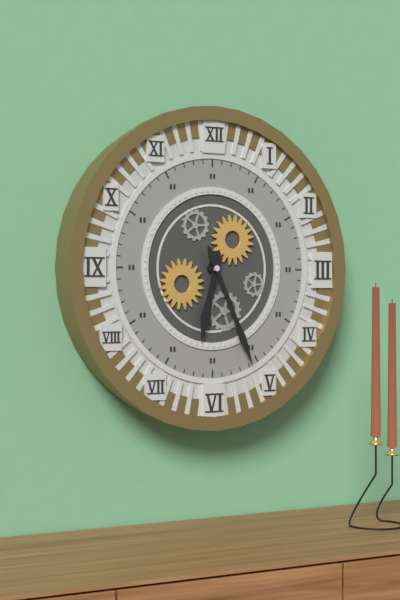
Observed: h=6 m=26
